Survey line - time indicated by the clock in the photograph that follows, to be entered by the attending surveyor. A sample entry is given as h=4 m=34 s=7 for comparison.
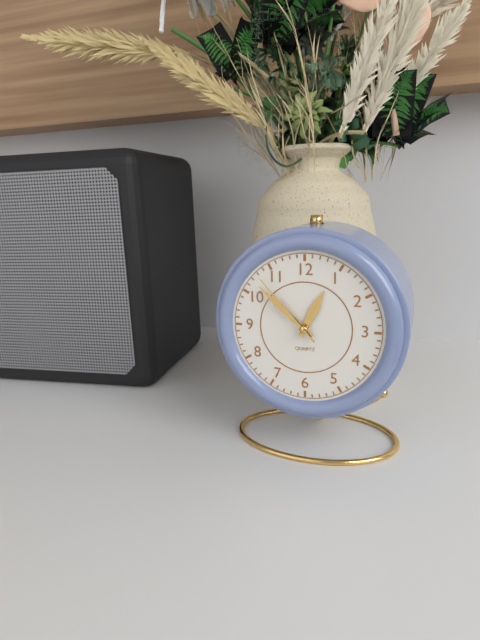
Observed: h=12 m=52 s=53
